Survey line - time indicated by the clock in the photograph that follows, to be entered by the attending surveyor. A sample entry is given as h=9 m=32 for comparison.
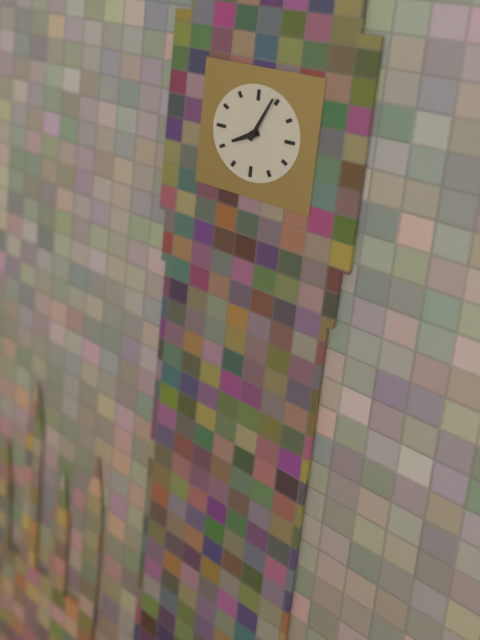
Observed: h=8 m=4
